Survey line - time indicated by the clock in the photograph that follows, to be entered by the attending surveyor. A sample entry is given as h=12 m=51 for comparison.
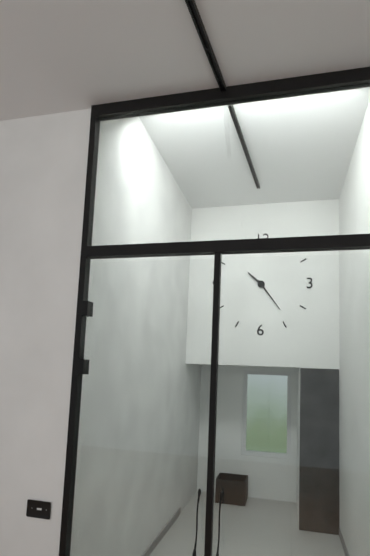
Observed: h=10 m=24
